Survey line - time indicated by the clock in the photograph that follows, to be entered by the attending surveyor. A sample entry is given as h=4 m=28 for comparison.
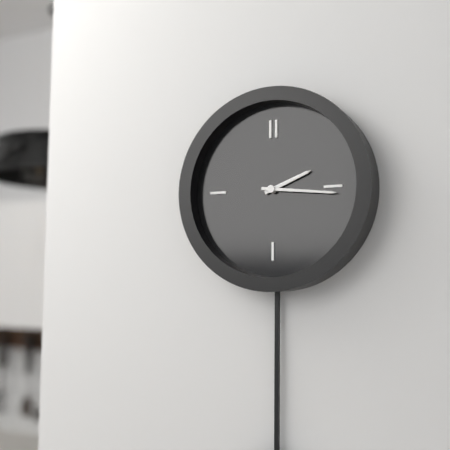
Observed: h=2 m=16
